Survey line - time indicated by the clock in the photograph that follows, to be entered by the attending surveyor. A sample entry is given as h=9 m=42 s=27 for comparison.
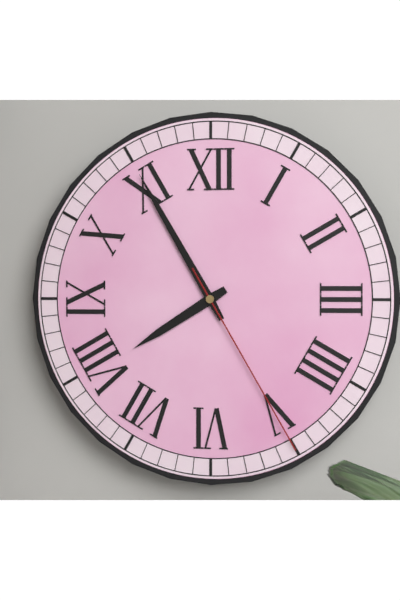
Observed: h=7 m=55 s=25
